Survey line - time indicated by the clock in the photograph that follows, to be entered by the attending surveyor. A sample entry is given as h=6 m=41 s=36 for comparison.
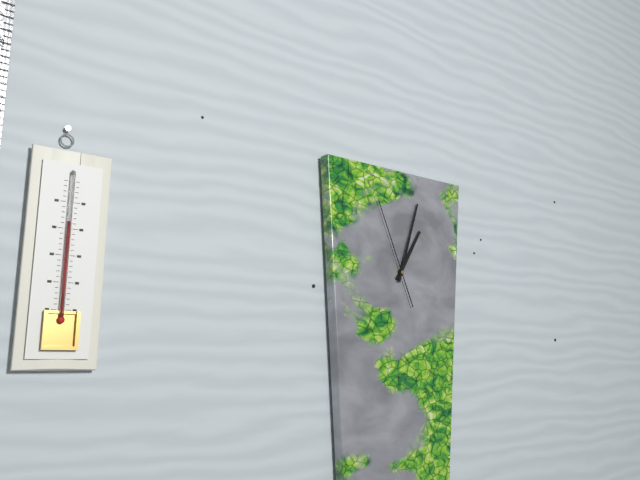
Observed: h=1 m=3 s=56
